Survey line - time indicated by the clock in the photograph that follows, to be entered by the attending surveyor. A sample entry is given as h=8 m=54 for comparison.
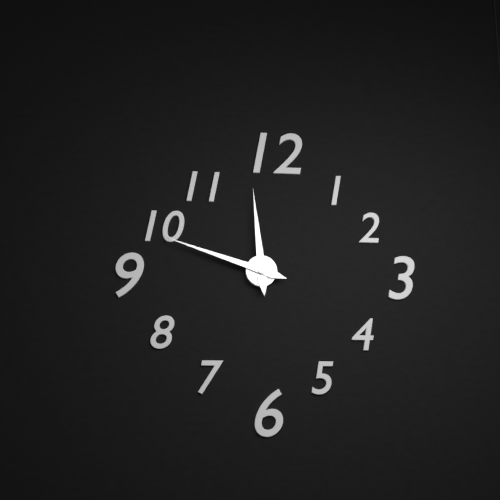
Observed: h=11 m=48
